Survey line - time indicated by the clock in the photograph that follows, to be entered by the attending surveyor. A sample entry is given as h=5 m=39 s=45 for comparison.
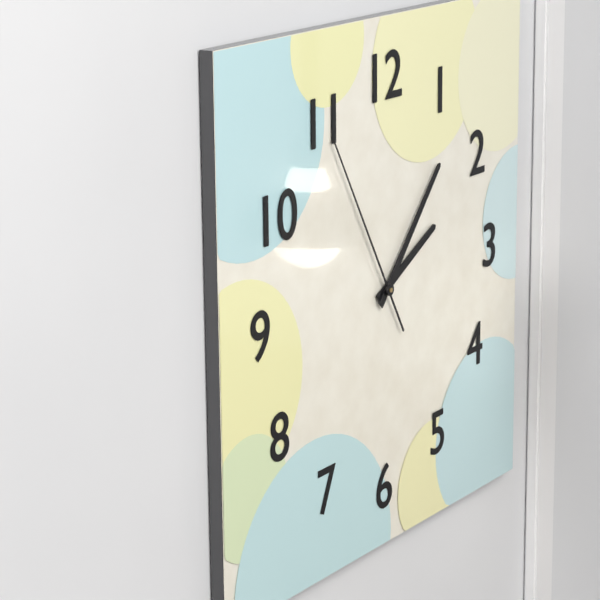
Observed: h=2 m=7 s=55
